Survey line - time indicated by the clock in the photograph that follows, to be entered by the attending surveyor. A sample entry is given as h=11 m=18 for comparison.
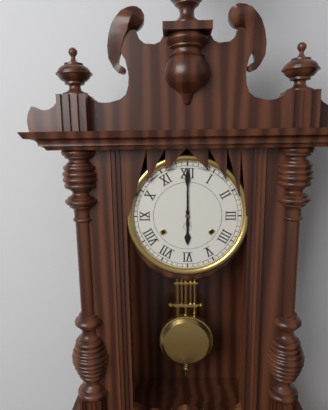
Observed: h=6 m=0
